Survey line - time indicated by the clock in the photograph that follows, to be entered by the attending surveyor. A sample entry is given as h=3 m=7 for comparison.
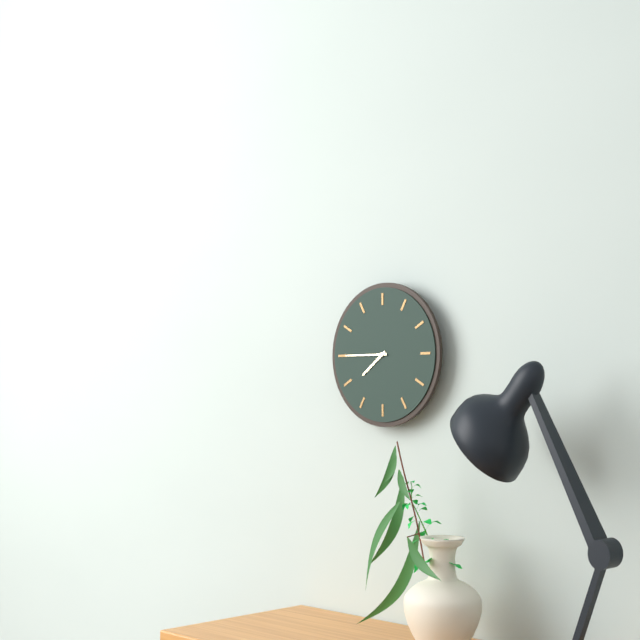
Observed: h=7 m=45
